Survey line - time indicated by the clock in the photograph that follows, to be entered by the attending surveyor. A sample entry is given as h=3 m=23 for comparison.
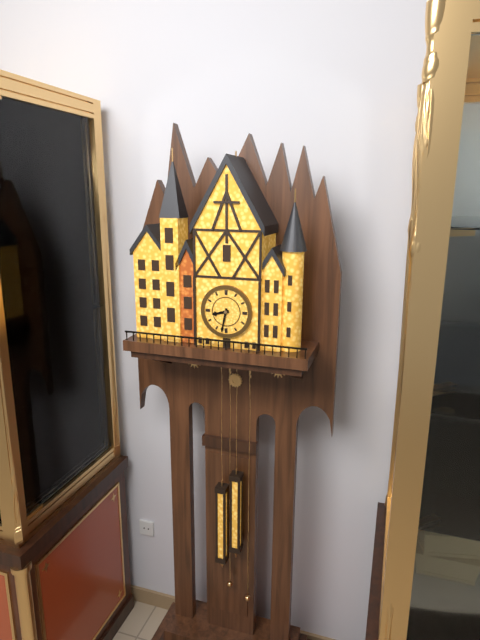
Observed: h=8 m=32
